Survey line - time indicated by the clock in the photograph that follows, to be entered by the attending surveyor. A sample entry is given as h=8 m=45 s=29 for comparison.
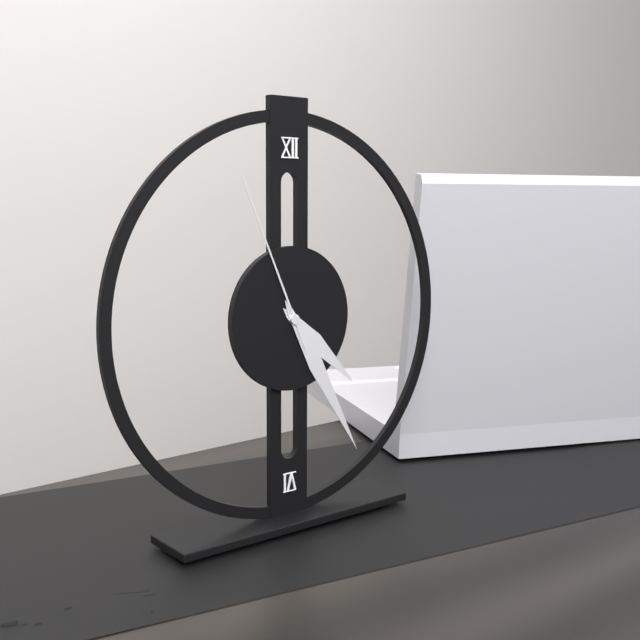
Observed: h=4 m=25 s=56
